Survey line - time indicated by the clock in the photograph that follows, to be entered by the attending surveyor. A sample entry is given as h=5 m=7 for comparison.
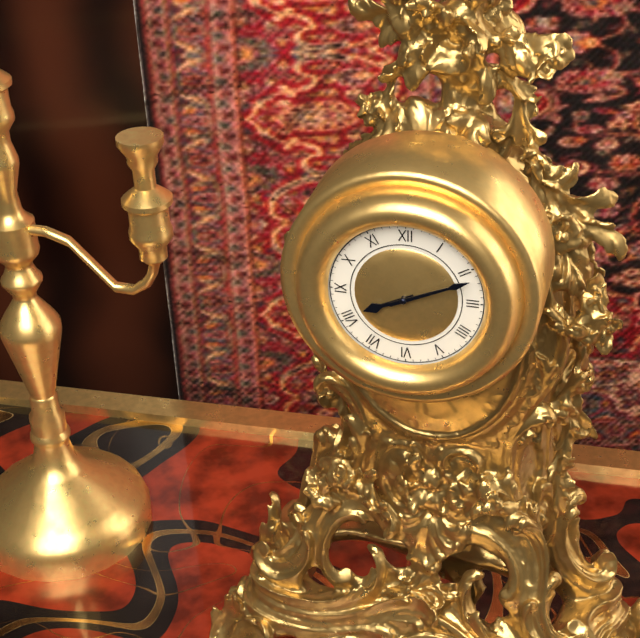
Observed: h=8 m=11
